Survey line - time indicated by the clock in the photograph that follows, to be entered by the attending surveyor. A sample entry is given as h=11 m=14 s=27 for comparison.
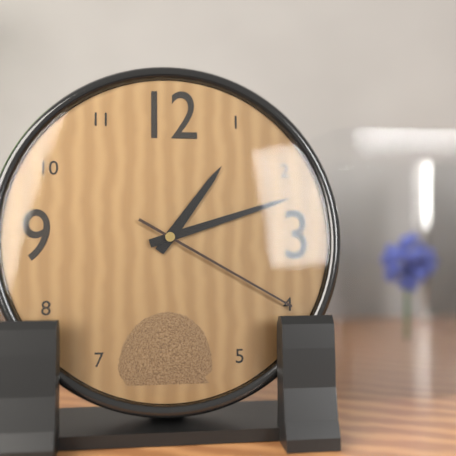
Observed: h=1 m=12 s=20
